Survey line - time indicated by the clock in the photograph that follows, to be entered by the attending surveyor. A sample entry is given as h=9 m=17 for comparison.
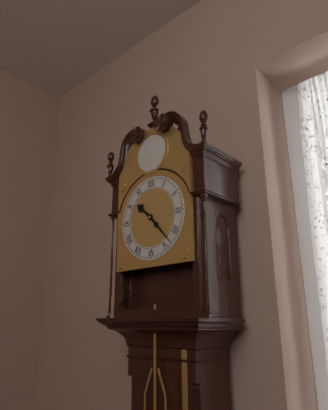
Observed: h=10 m=23
